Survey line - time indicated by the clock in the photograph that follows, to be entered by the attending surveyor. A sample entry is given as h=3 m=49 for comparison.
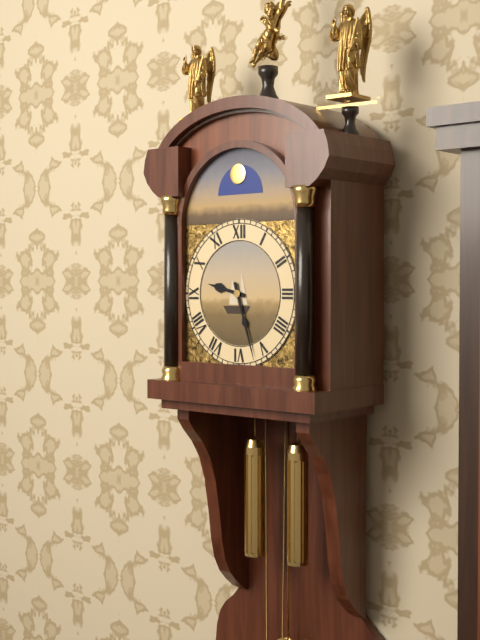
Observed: h=9 m=27
